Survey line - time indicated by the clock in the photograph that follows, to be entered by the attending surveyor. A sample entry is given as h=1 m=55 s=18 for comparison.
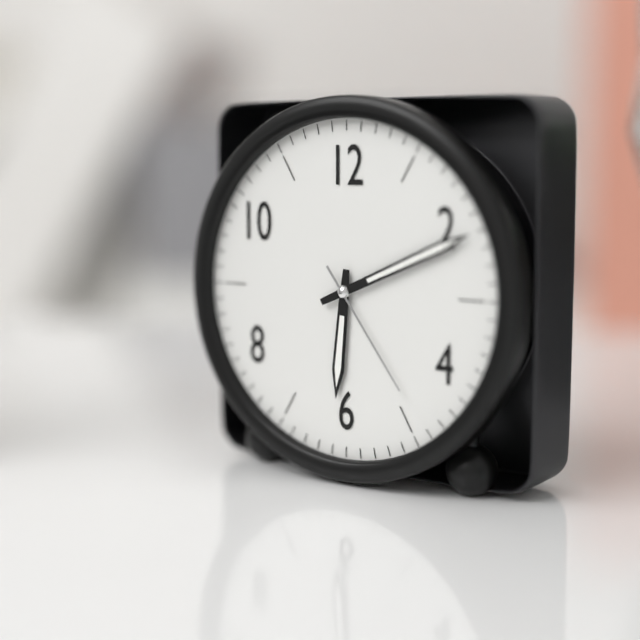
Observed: h=6 m=11 s=24
